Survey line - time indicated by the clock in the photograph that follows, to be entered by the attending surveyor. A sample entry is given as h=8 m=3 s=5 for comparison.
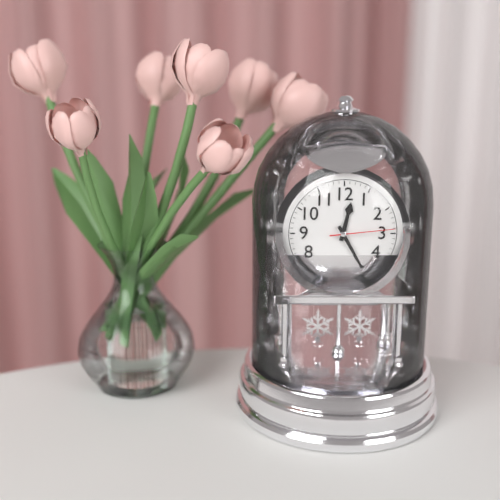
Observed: h=12 m=25 s=14
